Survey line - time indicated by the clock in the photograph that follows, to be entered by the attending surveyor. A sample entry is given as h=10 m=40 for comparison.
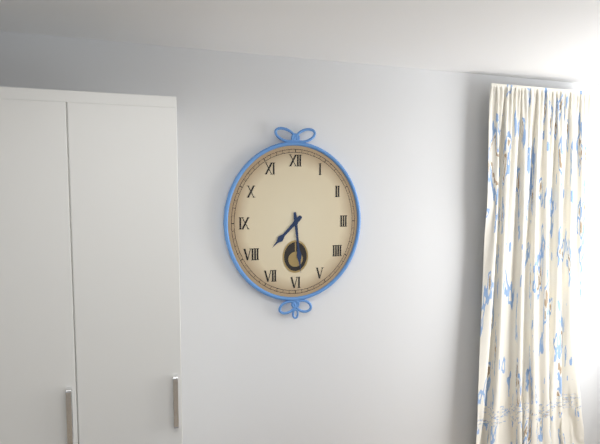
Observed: h=7 m=29
